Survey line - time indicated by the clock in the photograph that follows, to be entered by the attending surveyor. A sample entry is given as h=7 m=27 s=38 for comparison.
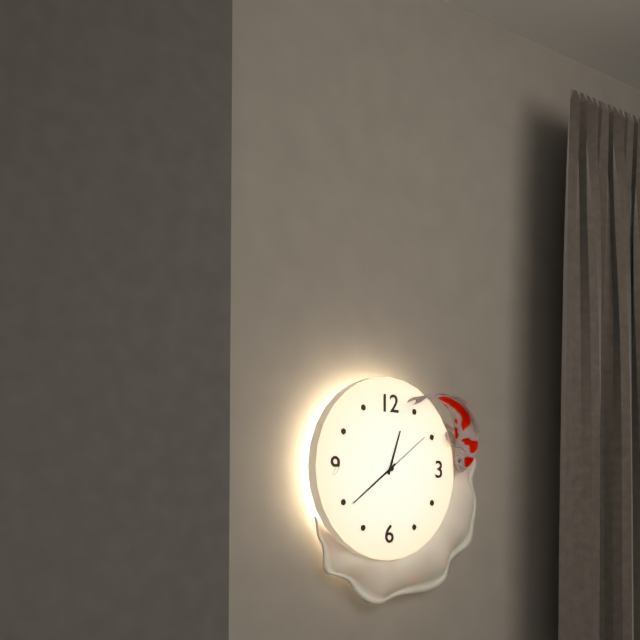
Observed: h=12 m=39 s=9
